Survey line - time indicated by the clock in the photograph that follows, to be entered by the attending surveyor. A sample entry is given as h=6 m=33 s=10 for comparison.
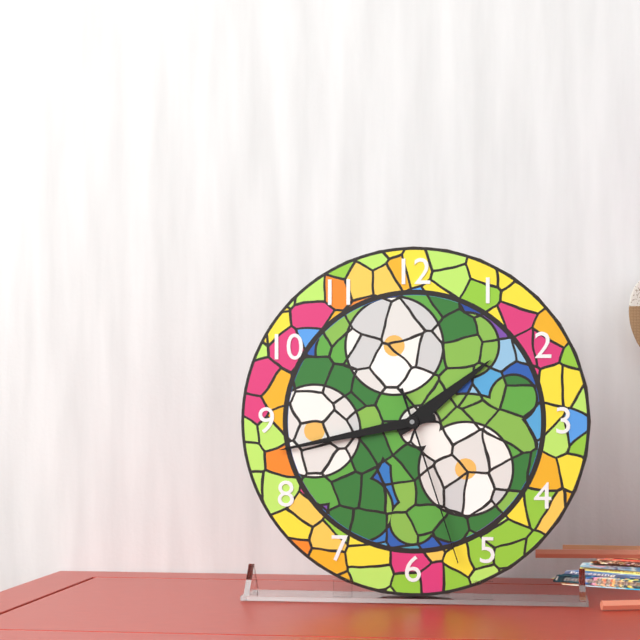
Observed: h=1 m=43 s=27
